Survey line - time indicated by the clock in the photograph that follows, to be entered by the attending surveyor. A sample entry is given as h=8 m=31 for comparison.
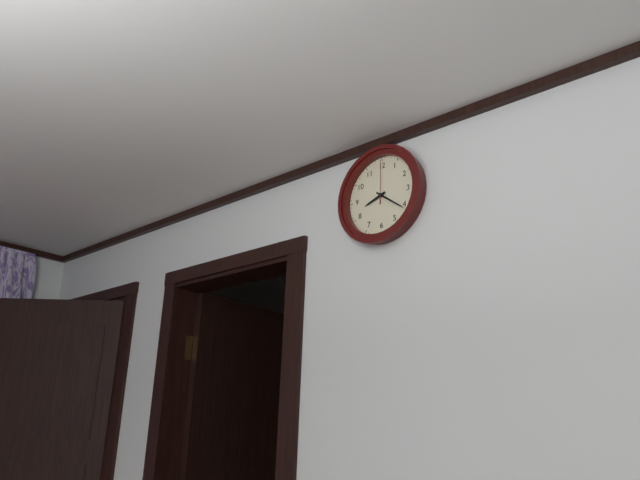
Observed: h=8 m=21
